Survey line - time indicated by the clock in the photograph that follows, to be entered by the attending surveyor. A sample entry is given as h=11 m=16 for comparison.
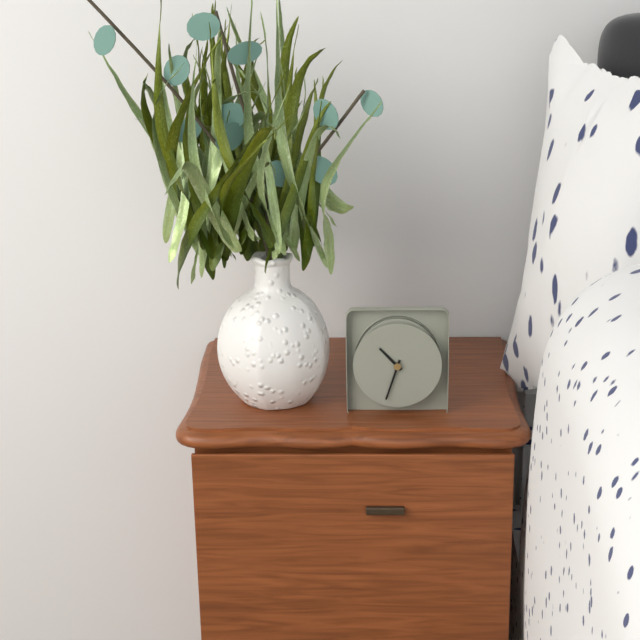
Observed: h=10 m=33
